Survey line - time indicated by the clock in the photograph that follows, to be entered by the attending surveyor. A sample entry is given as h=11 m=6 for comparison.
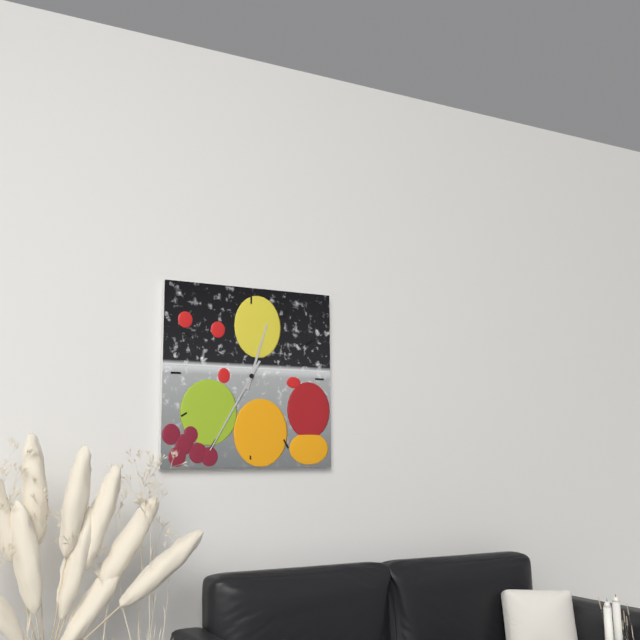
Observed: h=12 m=35
